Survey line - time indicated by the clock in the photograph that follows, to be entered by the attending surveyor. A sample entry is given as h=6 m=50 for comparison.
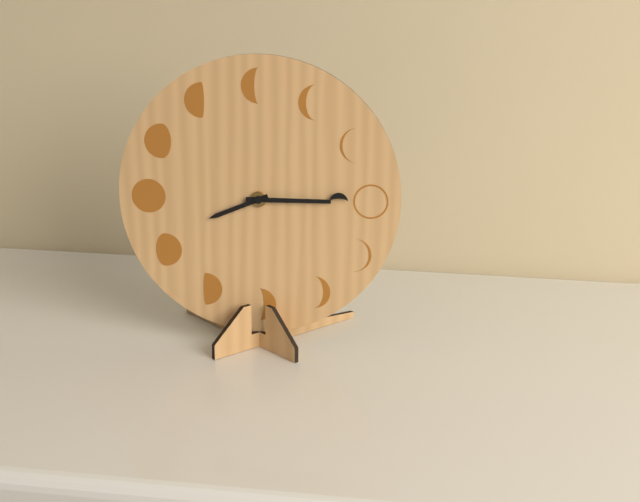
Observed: h=8 m=15
